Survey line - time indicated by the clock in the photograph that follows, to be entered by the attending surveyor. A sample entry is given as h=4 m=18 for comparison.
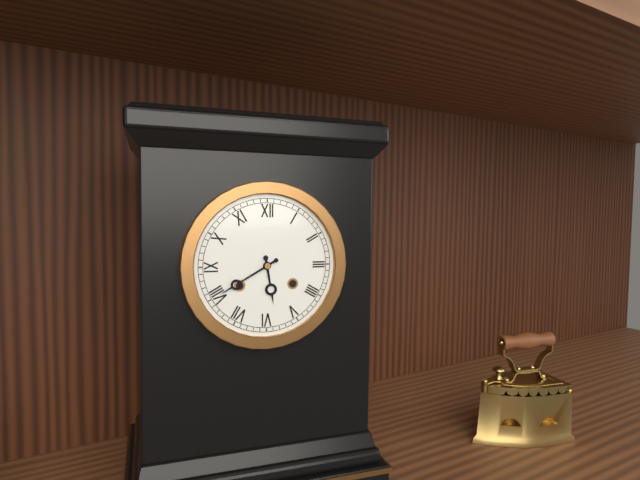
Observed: h=5 m=40
